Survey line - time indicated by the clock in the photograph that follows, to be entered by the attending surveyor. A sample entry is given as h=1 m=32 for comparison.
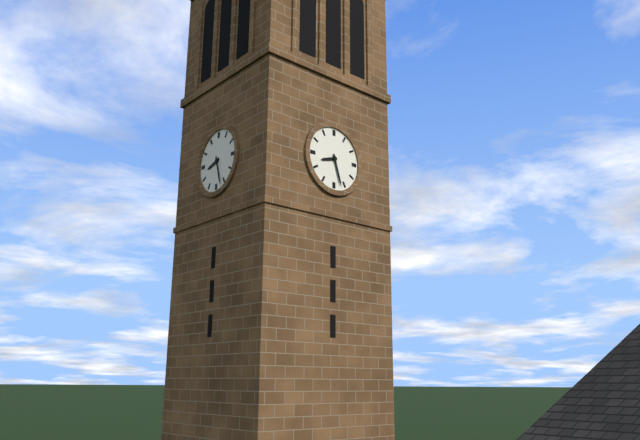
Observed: h=8 m=27
